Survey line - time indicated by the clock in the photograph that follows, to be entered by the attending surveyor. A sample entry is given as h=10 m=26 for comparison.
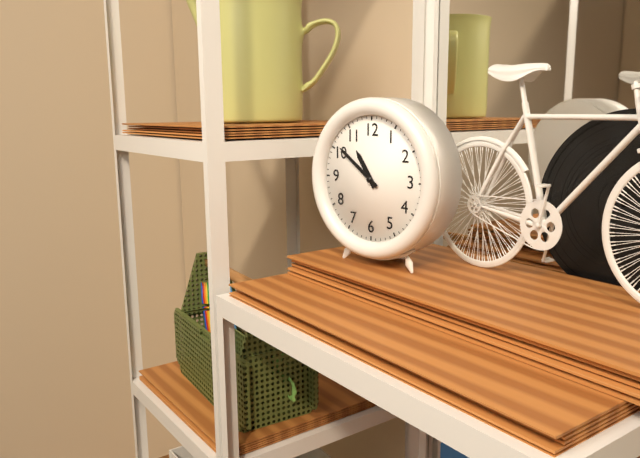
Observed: h=10 m=51
